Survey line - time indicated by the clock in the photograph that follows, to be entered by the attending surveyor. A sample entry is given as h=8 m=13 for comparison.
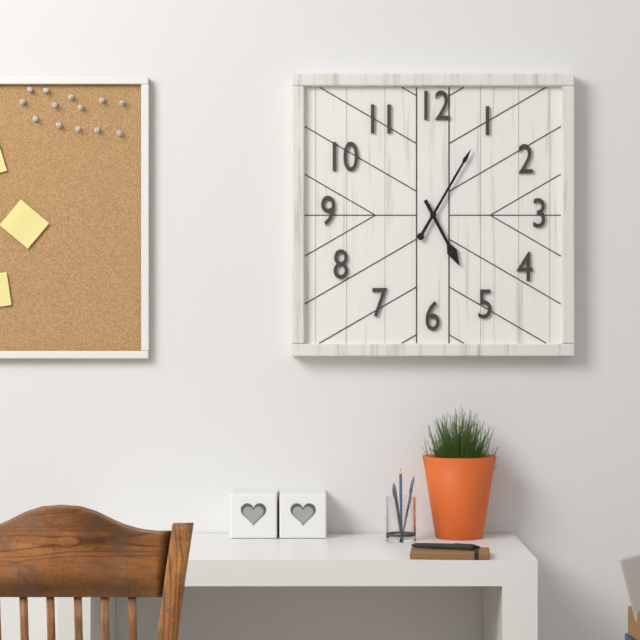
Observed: h=5 m=5
